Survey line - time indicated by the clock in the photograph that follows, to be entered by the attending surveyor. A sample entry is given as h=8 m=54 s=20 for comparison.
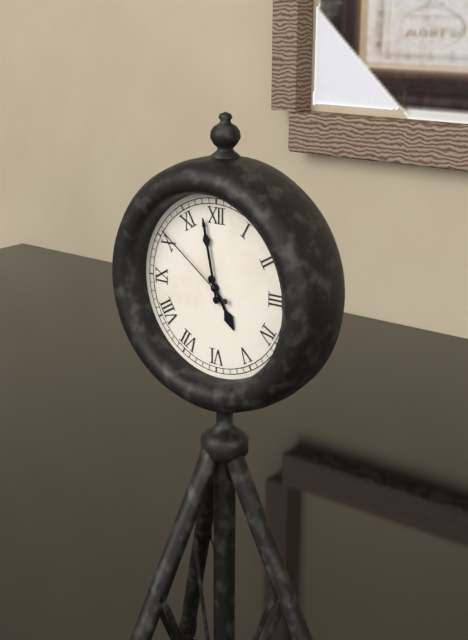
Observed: h=4 m=58 s=51
